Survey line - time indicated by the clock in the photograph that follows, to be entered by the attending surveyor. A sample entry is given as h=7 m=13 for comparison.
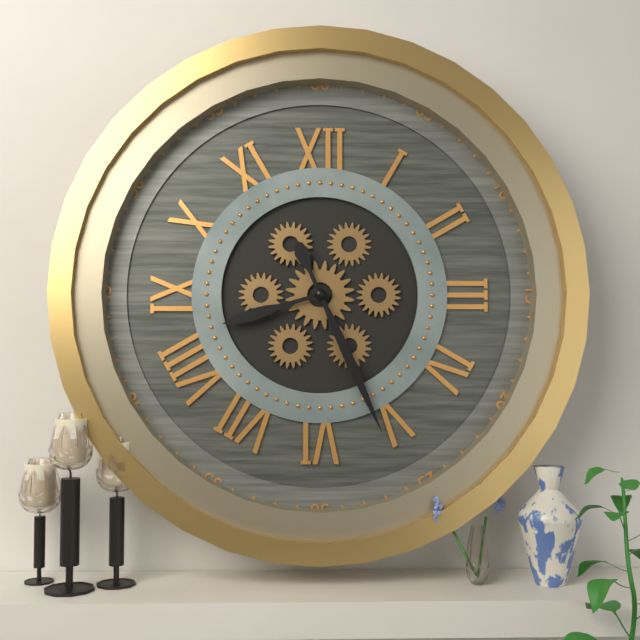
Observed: h=8 m=26
